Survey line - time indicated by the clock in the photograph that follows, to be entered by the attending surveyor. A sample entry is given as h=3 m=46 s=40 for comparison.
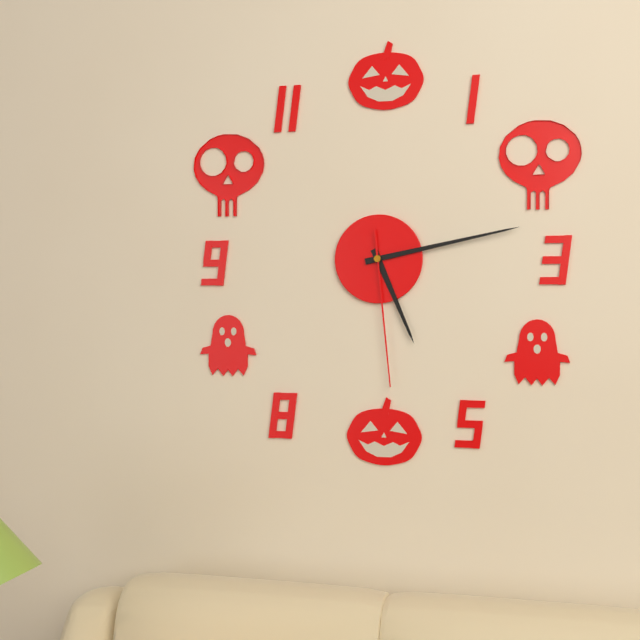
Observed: h=5 m=13 s=29
